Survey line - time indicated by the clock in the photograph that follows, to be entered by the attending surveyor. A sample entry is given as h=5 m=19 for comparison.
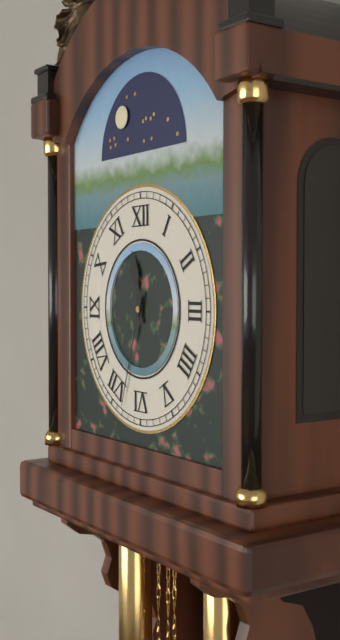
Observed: h=11 m=33
